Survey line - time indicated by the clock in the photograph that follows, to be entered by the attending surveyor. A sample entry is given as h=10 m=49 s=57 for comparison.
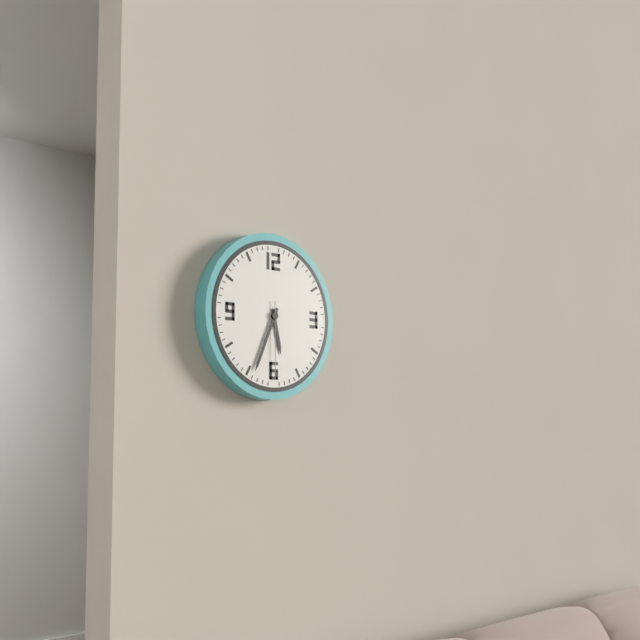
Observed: h=5 m=34 s=30
